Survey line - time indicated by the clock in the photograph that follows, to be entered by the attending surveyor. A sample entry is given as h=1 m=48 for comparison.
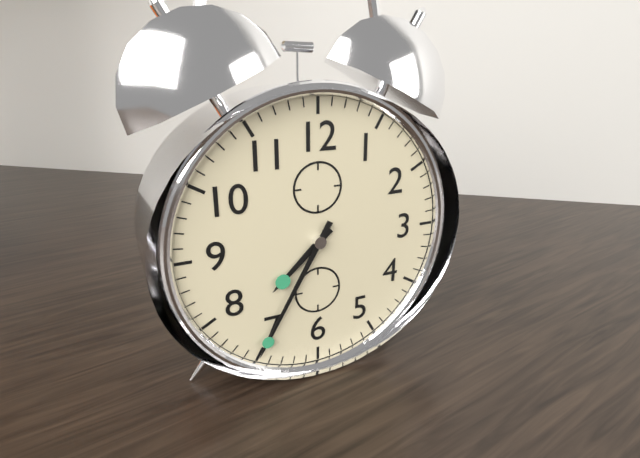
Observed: h=7 m=35
